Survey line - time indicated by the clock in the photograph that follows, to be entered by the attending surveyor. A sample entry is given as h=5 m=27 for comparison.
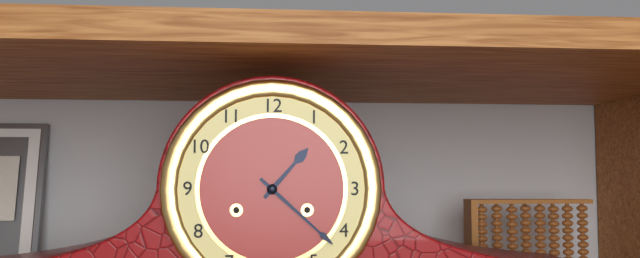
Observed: h=1 m=22
